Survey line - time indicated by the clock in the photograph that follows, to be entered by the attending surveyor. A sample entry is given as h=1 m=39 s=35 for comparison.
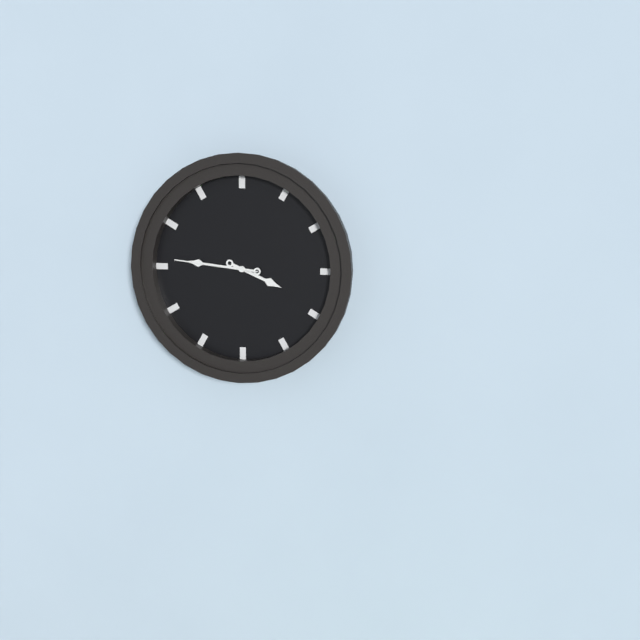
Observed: h=3 m=46 s=46
